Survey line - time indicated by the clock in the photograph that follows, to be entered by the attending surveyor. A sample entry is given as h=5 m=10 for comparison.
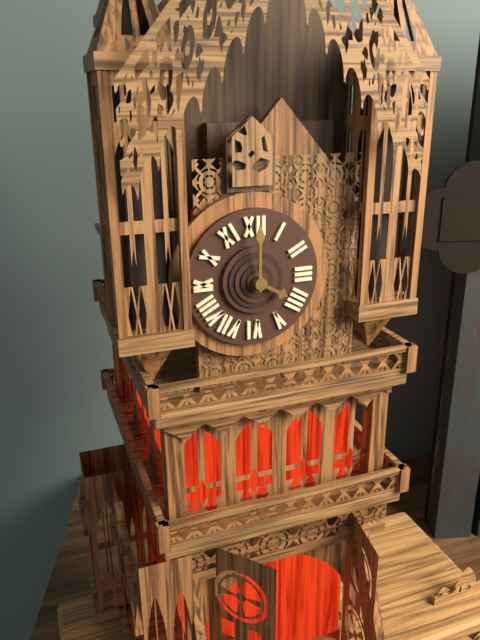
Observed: h=4 m=0
